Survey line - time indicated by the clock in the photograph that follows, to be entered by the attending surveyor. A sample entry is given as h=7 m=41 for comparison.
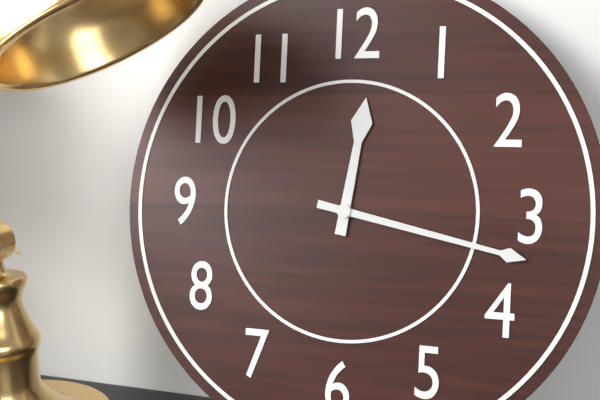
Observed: h=12 m=17
